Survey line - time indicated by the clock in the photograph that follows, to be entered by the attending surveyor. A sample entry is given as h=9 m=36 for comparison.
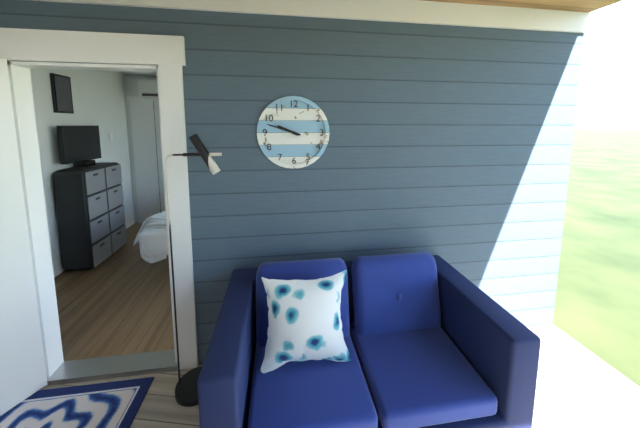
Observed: h=9 m=48
